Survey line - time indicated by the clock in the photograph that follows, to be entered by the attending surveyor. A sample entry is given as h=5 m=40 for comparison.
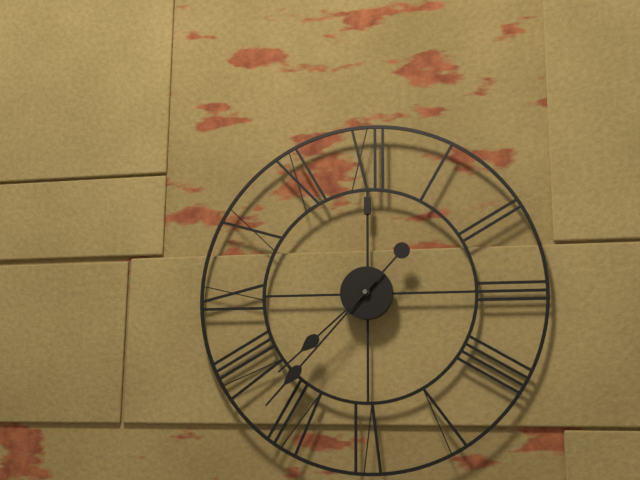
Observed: h=7 m=37
